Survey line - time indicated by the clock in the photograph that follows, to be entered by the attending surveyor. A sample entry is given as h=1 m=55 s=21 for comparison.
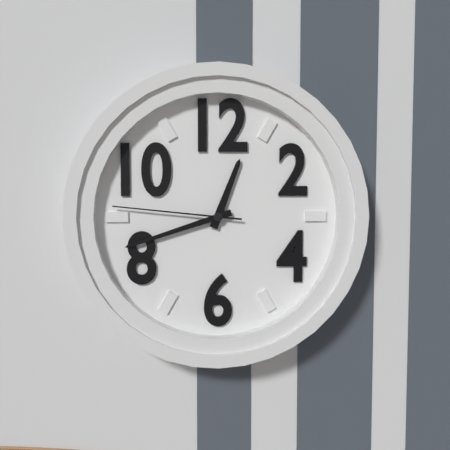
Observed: h=12 m=42 s=46
